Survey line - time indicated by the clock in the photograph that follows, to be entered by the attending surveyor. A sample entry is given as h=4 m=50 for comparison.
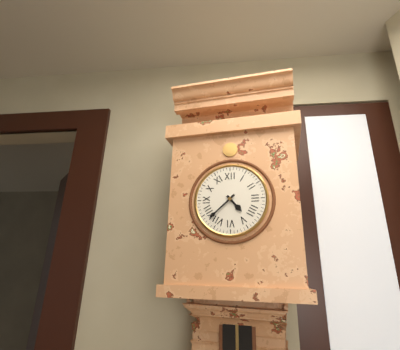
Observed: h=4 m=38
